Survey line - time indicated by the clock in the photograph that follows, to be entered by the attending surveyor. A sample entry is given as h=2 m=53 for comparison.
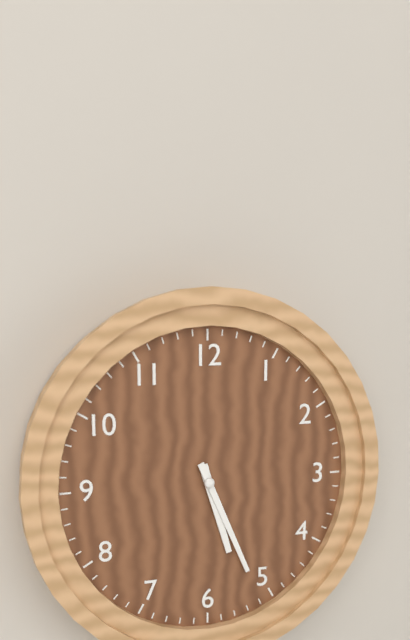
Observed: h=5 m=26
